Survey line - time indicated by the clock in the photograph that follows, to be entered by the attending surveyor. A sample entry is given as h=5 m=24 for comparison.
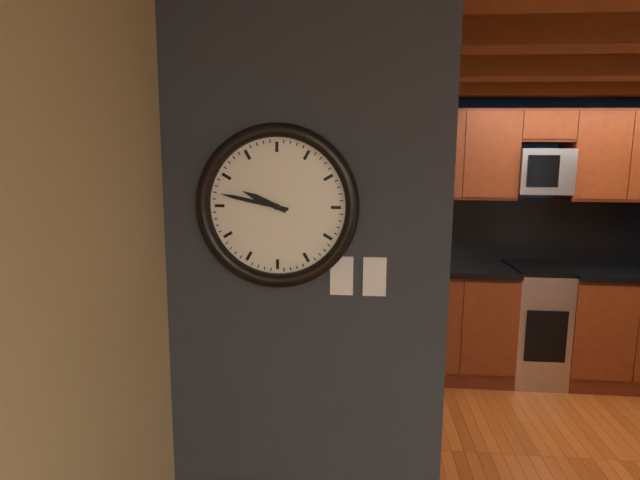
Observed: h=9 m=47
